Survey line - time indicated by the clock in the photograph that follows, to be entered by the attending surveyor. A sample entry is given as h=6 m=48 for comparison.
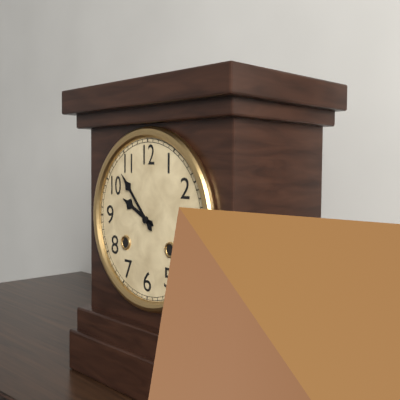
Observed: h=9 m=53
